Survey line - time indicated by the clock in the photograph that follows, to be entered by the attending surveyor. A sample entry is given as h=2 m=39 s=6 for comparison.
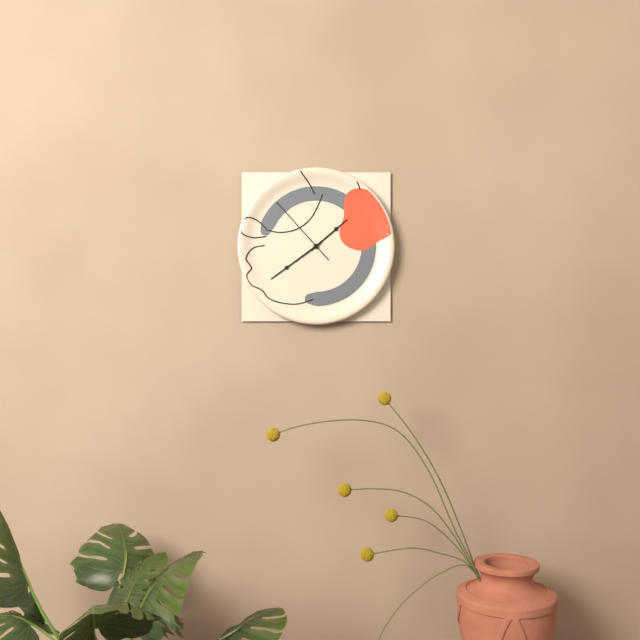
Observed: h=1 m=39 s=53
